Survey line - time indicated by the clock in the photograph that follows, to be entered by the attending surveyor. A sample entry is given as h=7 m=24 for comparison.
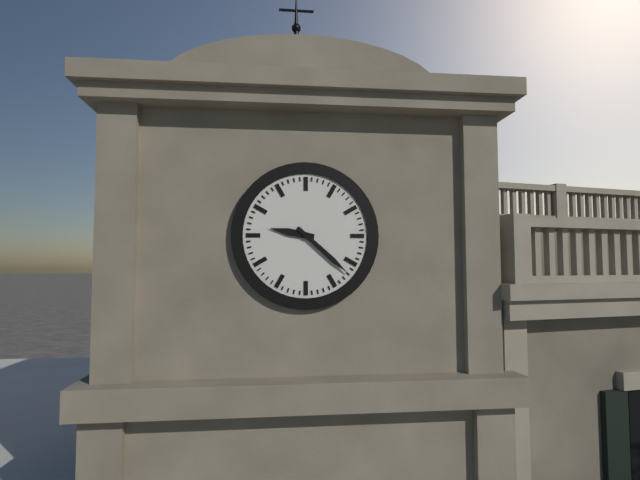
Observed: h=9 m=22
